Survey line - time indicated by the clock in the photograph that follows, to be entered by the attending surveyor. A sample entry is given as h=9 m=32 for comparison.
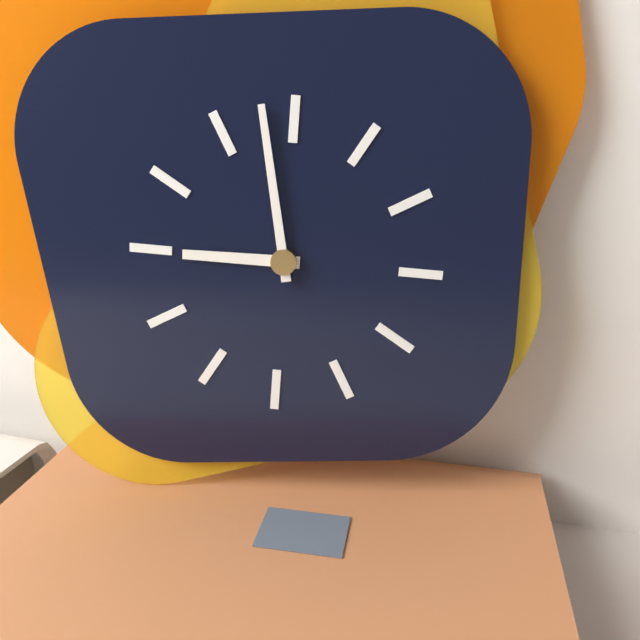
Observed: h=8 m=58
